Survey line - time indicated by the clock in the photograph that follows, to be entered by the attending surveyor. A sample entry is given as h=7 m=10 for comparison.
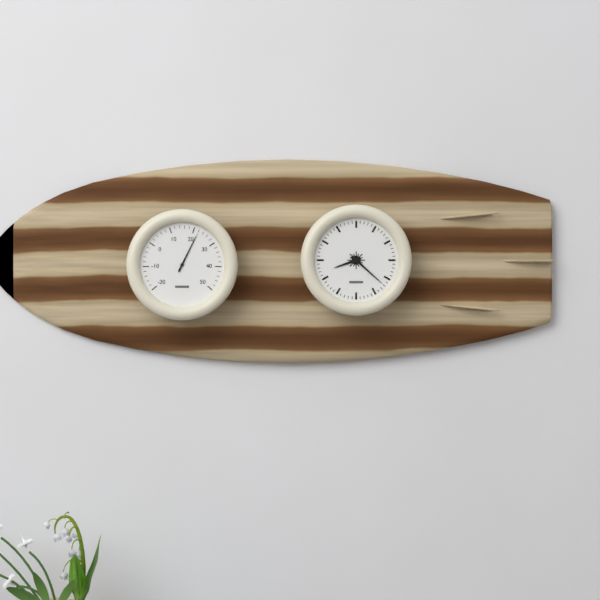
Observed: h=8 m=22
